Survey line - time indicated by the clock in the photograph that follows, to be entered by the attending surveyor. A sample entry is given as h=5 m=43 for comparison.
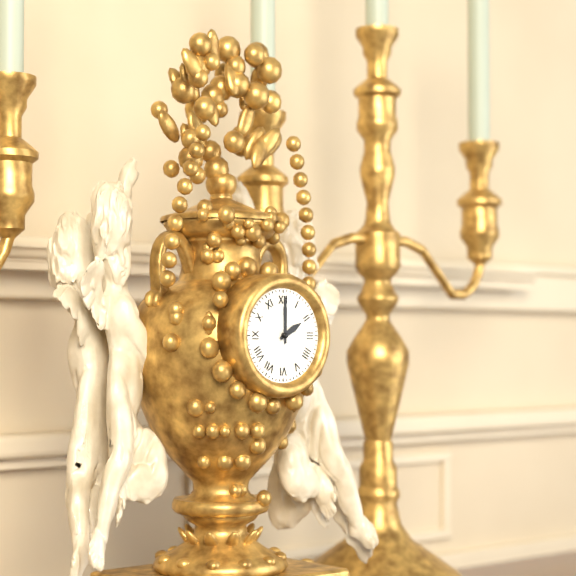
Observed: h=2 m=0
